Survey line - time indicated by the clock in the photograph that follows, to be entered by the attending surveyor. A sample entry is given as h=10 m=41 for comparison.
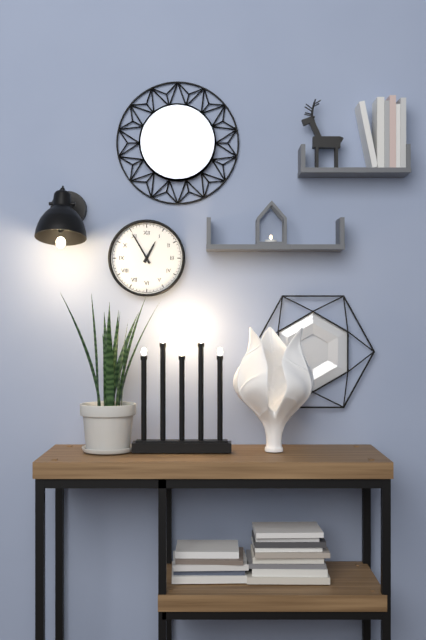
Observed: h=12 m=55
